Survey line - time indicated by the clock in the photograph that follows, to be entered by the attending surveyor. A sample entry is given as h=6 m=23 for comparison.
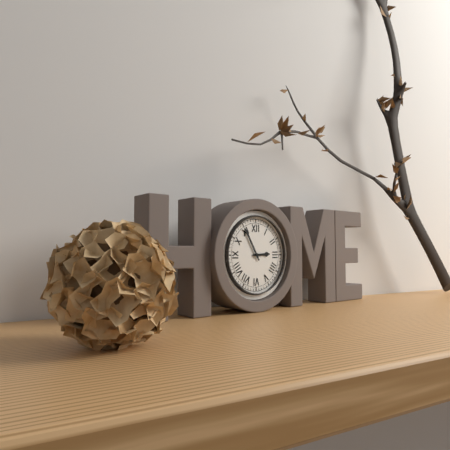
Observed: h=2 m=55
